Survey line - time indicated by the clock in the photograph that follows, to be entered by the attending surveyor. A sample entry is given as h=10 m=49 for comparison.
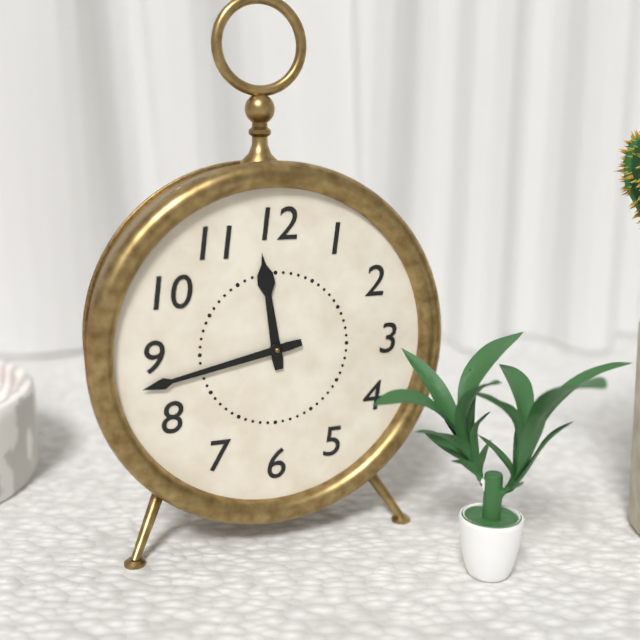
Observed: h=11 m=43
